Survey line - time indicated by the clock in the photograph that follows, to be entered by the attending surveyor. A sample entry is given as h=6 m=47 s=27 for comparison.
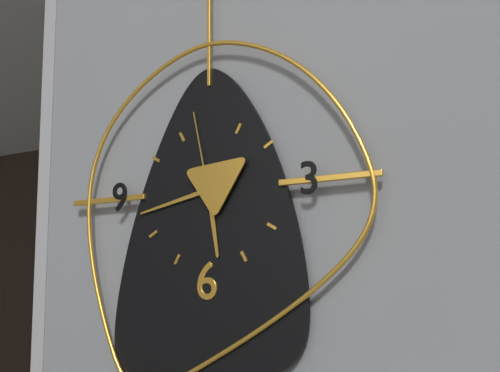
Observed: h=5 m=43 s=58
